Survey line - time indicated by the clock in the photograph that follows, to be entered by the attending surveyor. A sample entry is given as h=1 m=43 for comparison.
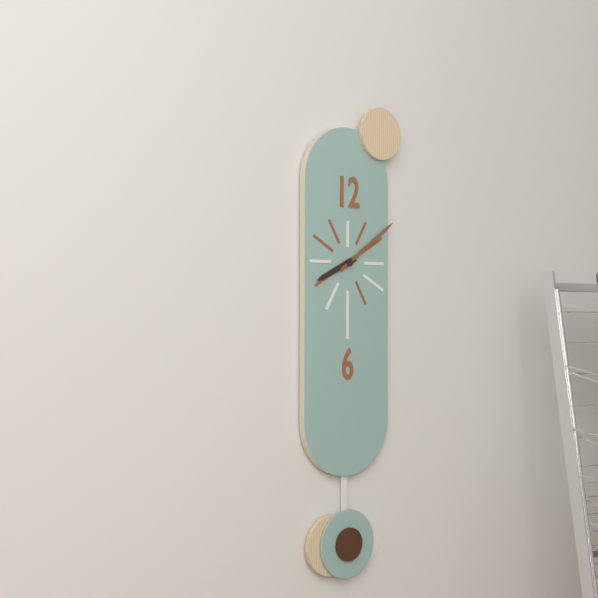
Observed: h=8 m=9
